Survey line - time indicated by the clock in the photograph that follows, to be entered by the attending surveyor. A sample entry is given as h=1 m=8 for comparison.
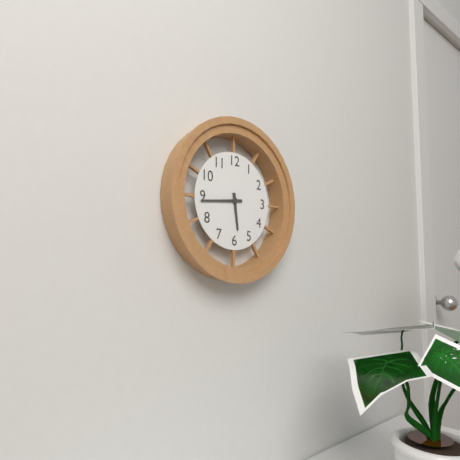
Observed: h=5 m=44
